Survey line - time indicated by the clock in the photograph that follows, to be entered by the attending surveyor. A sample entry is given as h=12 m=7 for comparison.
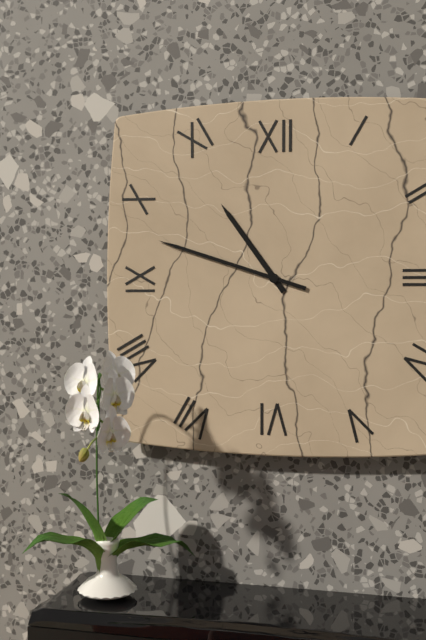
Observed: h=10 m=48
